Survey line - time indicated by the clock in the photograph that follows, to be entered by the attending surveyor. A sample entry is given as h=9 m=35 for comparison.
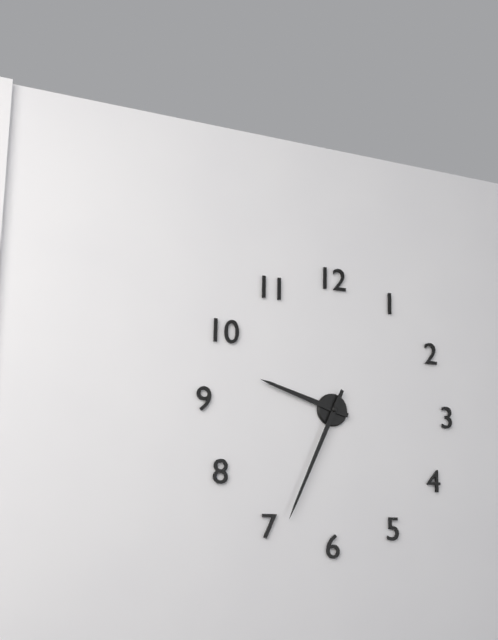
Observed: h=9 m=34
